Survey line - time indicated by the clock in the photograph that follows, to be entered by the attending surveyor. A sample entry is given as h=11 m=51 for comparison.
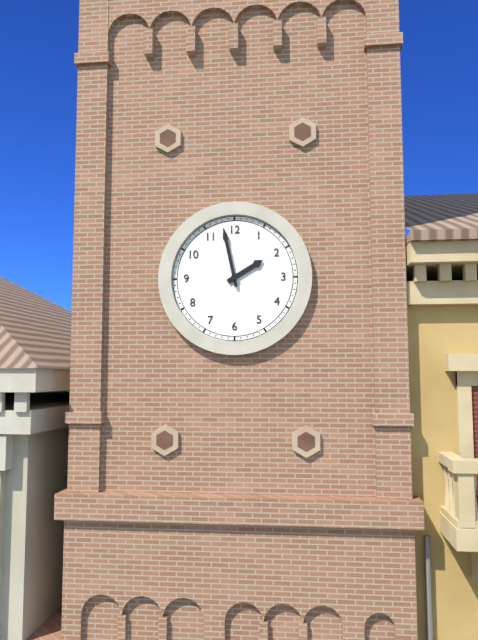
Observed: h=1 m=58
